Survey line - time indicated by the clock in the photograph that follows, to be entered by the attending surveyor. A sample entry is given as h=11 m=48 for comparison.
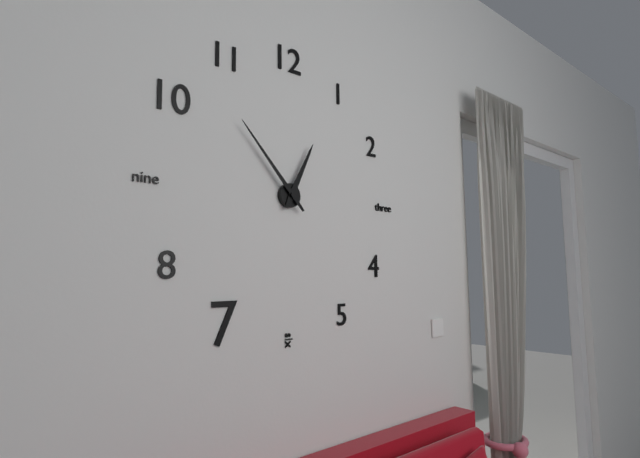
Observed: h=12 m=53
